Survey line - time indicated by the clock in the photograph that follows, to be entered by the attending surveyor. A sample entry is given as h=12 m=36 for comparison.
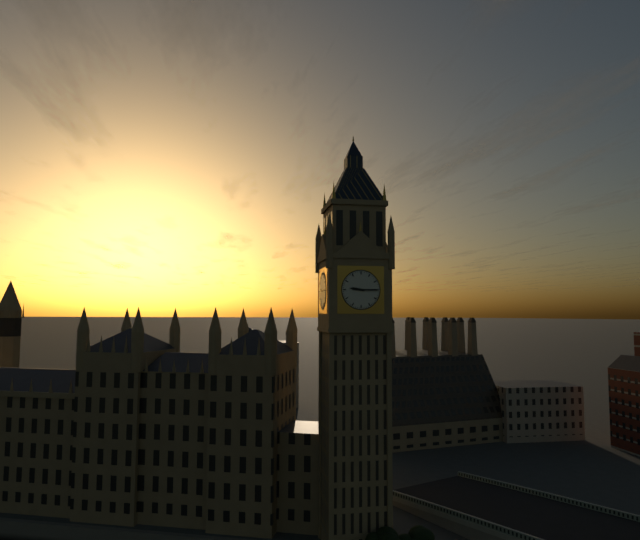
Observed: h=9 m=15
